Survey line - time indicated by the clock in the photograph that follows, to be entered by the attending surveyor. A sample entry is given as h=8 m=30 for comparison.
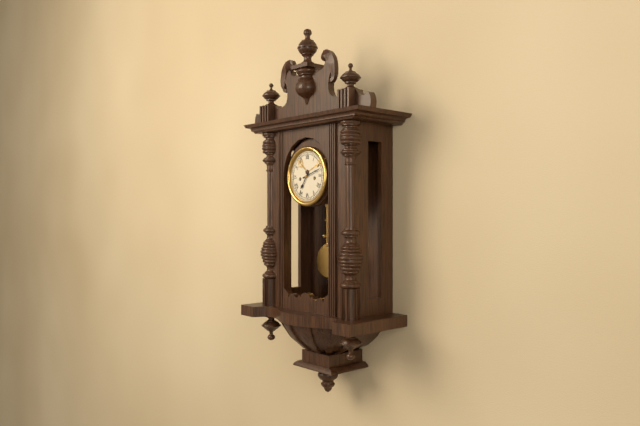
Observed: h=7 m=12
